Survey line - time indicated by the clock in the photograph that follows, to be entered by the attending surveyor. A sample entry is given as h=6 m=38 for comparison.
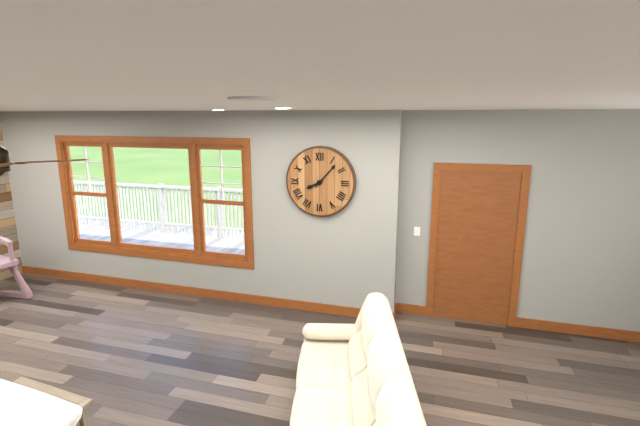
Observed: h=8 m=7
